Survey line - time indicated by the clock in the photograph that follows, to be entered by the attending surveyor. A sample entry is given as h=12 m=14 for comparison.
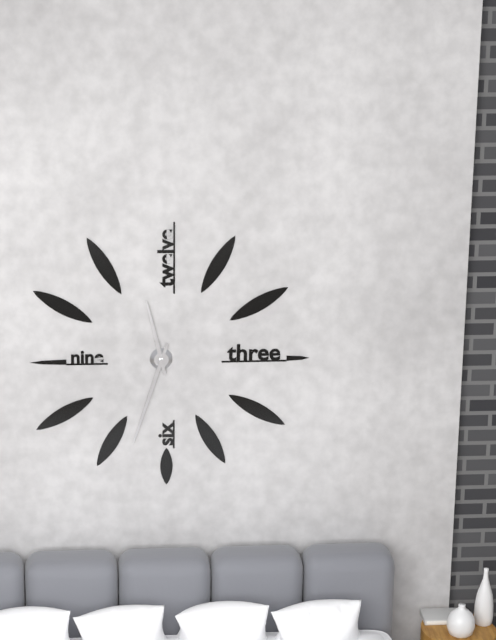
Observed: h=11 m=33
